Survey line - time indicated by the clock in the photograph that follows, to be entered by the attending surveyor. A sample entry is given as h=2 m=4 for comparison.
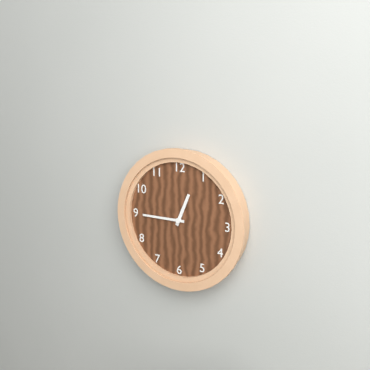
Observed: h=12 m=45
